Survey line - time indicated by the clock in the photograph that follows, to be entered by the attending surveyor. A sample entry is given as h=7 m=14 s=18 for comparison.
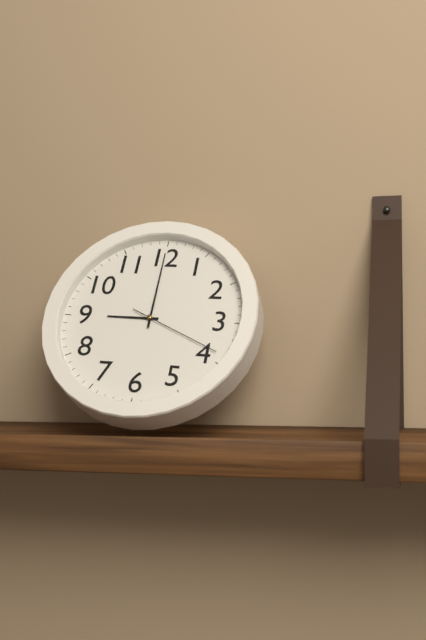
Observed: h=9 m=0 s=19
